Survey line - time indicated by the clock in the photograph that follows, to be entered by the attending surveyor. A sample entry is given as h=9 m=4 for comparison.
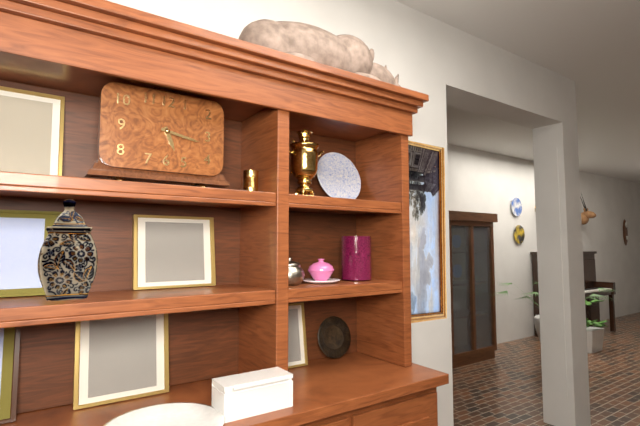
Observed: h=5 m=17
